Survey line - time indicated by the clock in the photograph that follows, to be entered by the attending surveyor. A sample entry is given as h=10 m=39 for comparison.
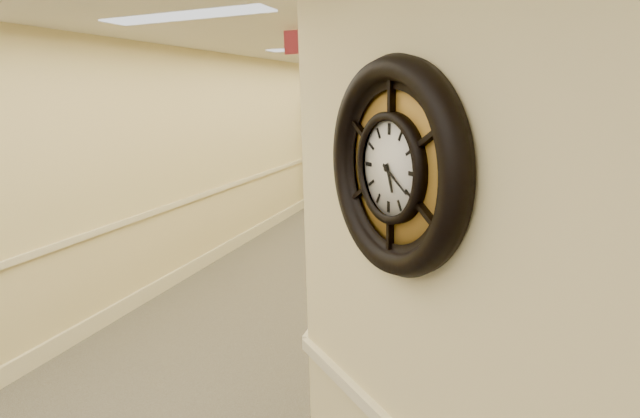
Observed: h=5 m=20
